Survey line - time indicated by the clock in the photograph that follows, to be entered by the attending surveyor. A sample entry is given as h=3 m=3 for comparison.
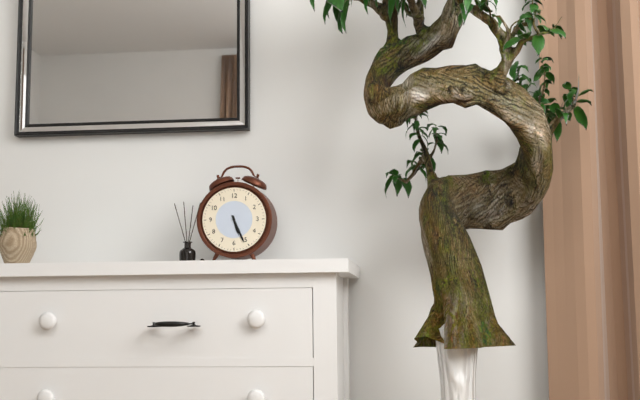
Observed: h=5 m=26
